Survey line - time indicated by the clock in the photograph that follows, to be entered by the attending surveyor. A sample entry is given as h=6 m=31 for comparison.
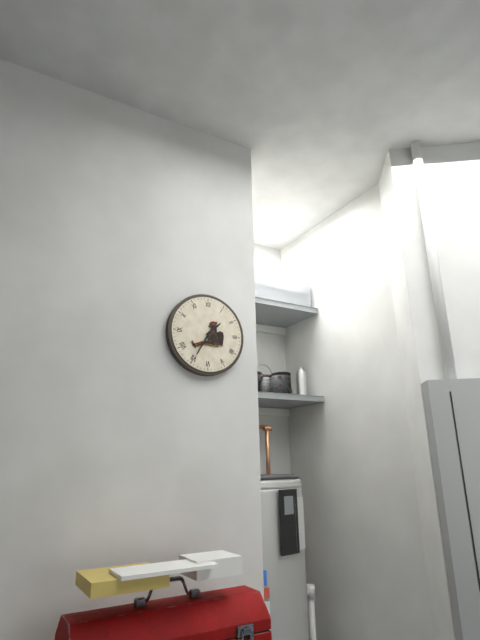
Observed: h=1 m=35
